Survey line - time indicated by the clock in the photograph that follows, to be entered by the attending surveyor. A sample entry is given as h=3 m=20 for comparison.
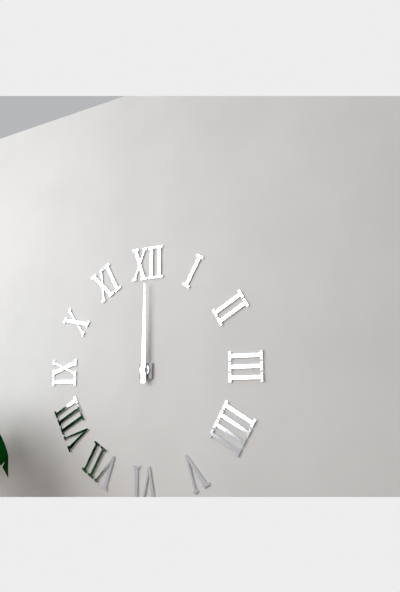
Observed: h=12 m=0
